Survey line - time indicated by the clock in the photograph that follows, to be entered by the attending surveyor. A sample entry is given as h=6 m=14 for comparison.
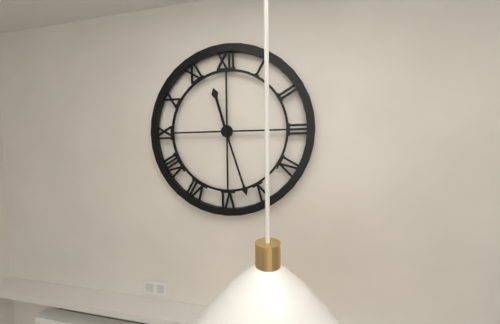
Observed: h=11 m=27
